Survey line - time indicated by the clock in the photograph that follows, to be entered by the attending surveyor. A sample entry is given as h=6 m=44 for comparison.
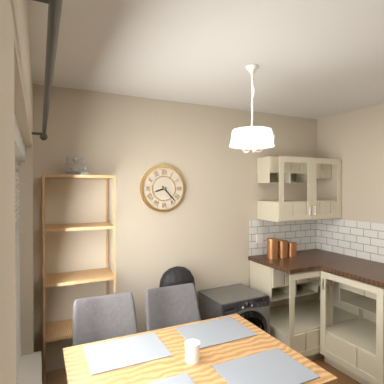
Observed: h=8 m=23
